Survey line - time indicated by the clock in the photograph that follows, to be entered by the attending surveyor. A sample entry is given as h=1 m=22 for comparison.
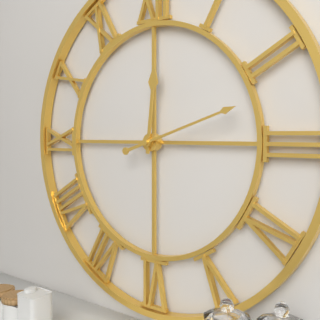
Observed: h=12 m=12
